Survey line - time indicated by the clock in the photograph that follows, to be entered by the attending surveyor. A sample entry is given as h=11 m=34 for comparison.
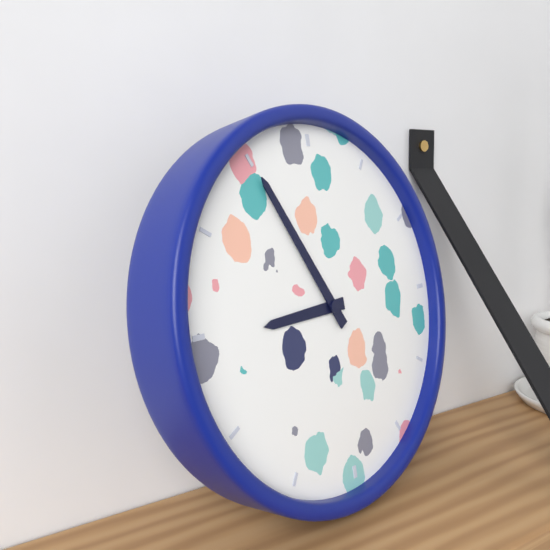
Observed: h=8 m=55
